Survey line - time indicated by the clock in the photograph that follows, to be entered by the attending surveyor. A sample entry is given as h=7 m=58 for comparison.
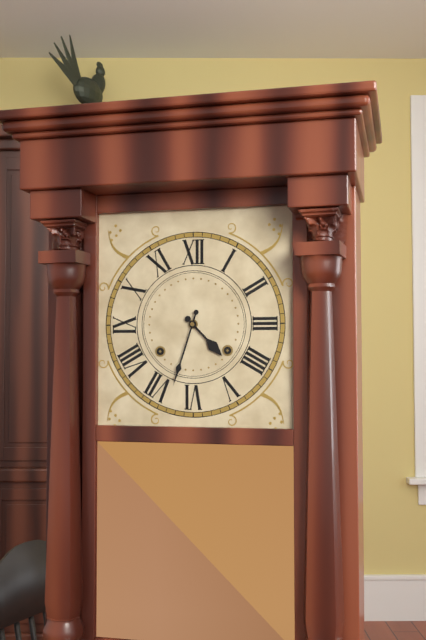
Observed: h=4 m=33
